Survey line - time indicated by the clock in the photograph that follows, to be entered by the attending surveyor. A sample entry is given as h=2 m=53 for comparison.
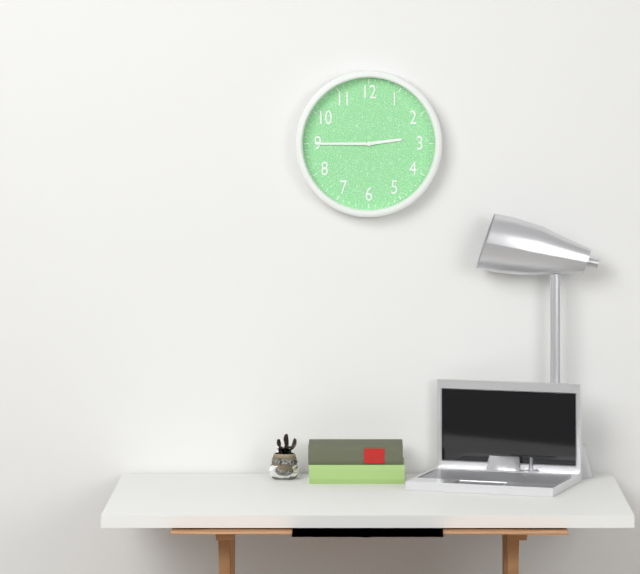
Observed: h=2 m=45
